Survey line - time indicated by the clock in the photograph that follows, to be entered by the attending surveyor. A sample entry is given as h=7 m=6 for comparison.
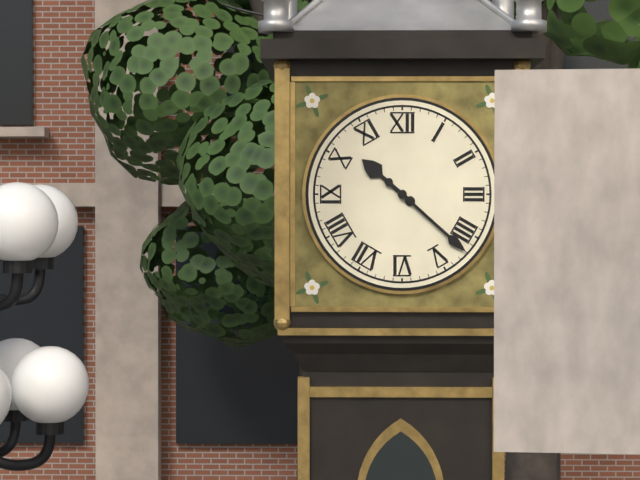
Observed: h=10 m=22
